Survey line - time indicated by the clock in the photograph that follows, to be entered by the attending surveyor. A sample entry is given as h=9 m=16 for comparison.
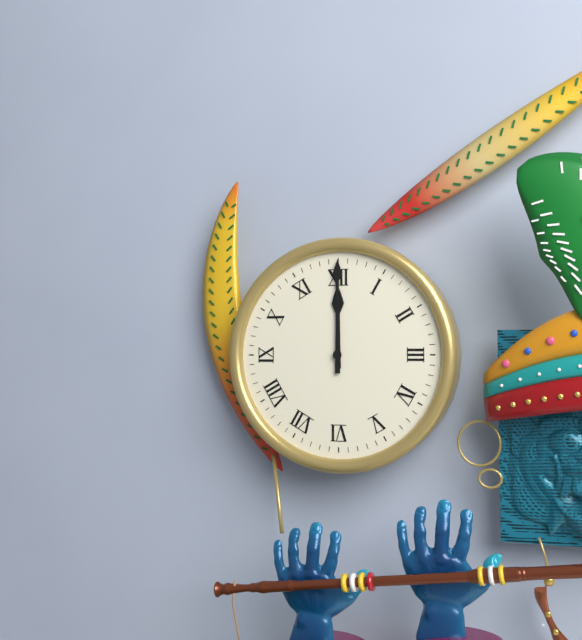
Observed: h=12 m=0
